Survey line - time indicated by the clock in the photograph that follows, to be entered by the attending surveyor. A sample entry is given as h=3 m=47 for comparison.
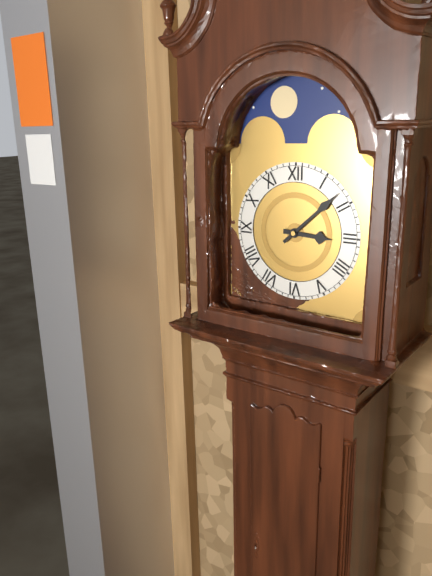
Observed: h=3 m=8
